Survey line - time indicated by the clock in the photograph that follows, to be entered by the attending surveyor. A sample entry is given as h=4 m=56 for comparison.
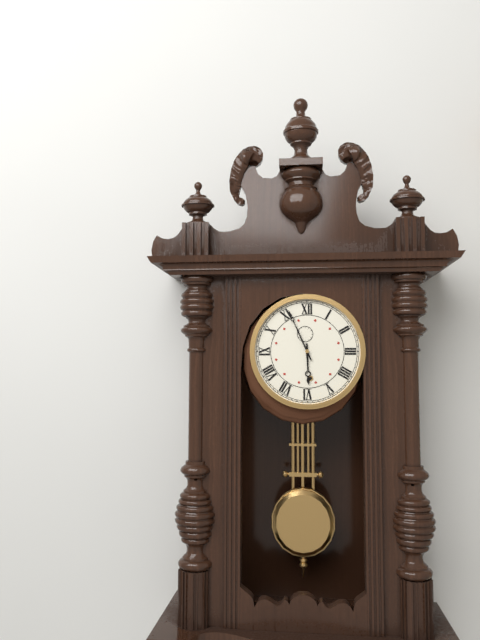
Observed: h=5 m=56
